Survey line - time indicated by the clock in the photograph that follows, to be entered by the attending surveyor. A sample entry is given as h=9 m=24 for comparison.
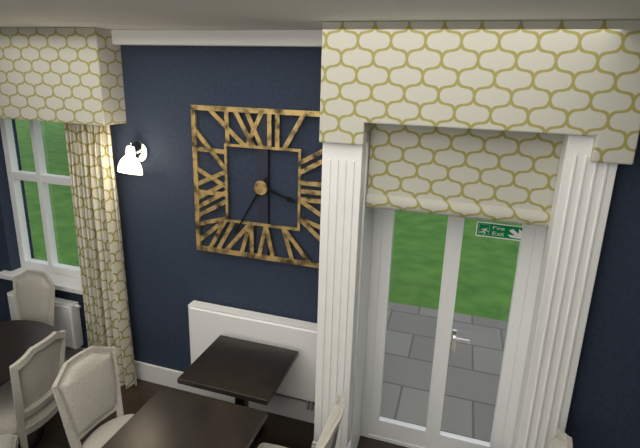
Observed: h=3 m=35
